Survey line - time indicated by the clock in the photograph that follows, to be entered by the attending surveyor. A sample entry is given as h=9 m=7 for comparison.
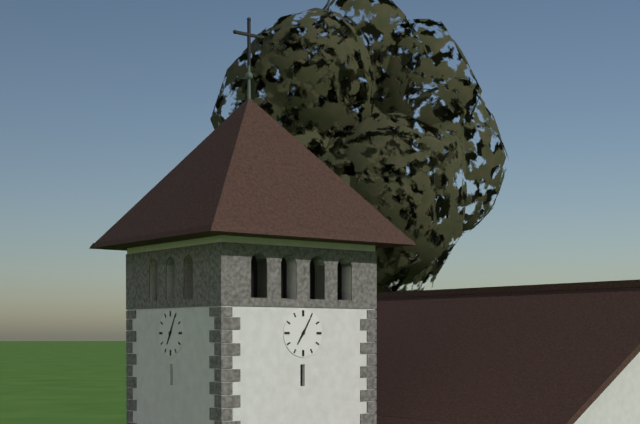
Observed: h=7 m=5
